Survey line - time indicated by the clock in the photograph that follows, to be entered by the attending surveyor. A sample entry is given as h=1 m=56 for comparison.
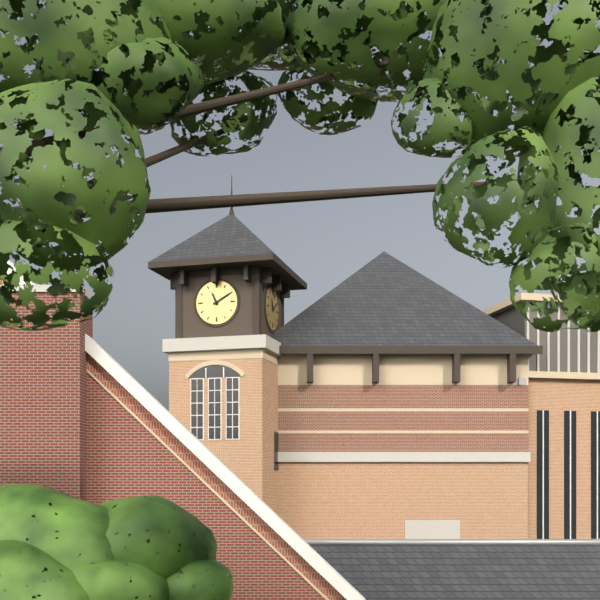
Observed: h=11 m=10
